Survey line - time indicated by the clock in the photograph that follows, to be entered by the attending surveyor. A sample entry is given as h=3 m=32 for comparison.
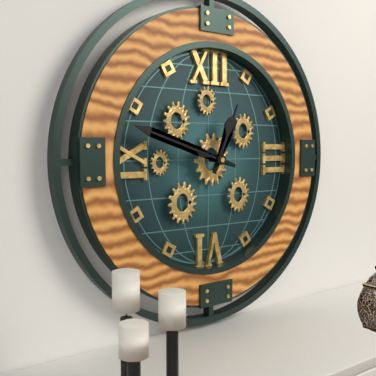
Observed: h=12 m=48
